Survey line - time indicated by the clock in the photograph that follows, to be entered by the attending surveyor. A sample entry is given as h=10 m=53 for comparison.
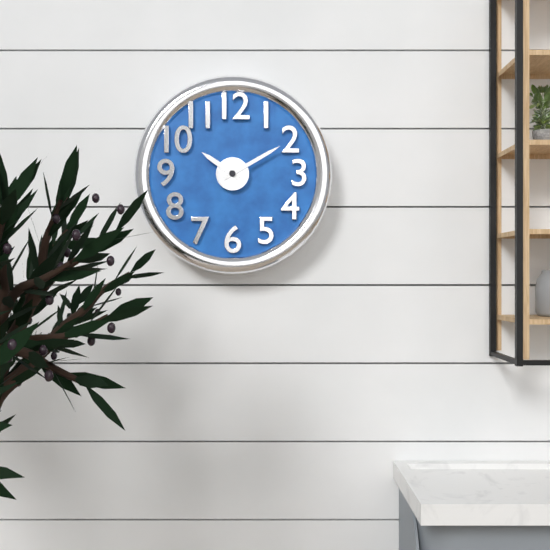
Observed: h=10 m=10
